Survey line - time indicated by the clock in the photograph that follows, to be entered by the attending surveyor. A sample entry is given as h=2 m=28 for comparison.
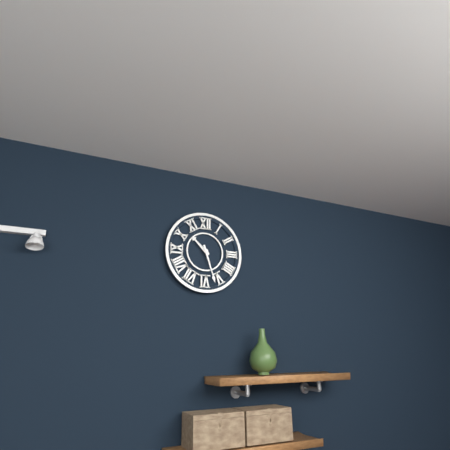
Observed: h=10 m=27
